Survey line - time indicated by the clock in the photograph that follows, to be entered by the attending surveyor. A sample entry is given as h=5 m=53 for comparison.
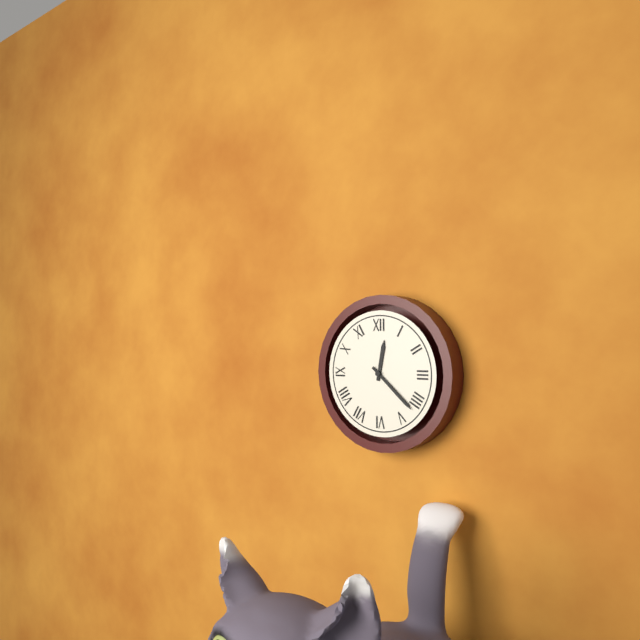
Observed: h=12 m=22
